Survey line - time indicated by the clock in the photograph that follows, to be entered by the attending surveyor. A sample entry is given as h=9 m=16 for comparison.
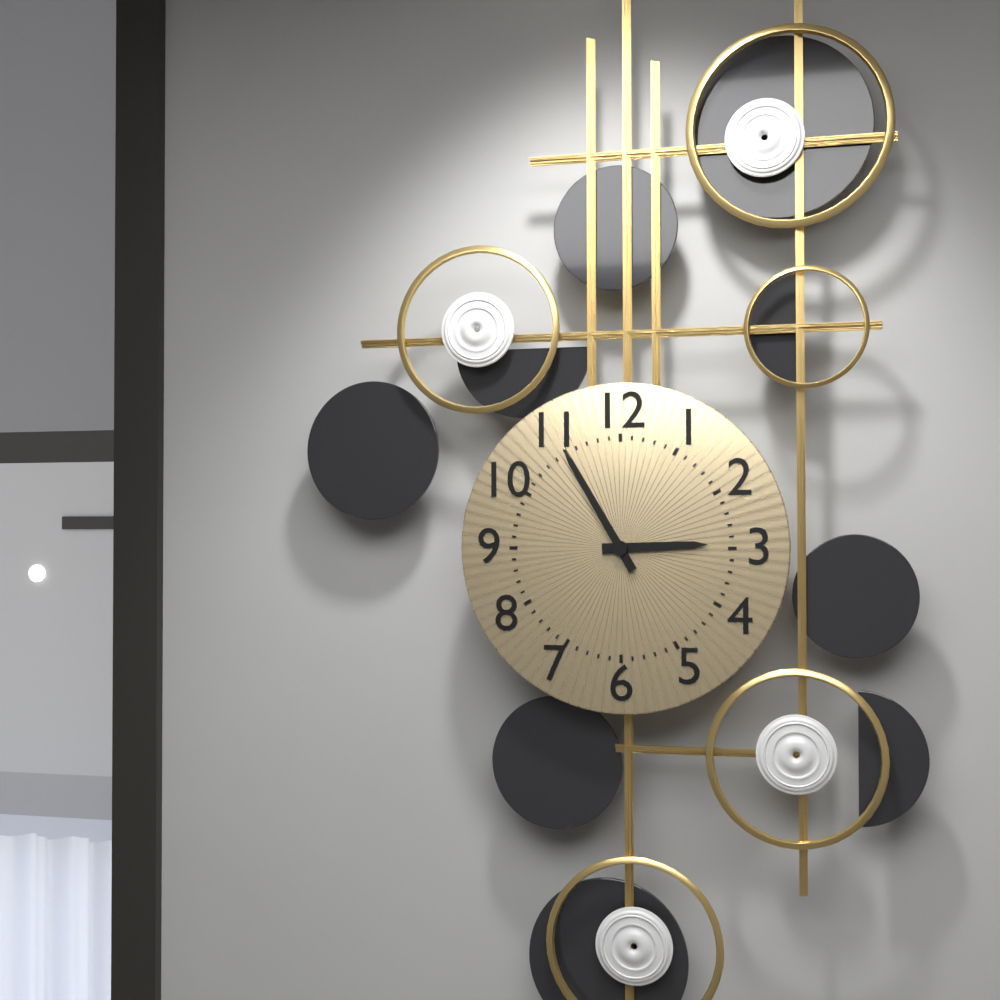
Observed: h=2 m=55
